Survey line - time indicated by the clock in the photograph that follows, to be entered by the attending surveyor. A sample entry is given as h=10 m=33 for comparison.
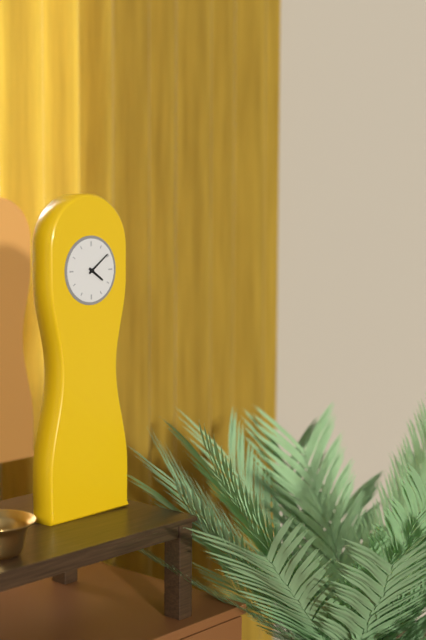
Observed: h=4 m=9
